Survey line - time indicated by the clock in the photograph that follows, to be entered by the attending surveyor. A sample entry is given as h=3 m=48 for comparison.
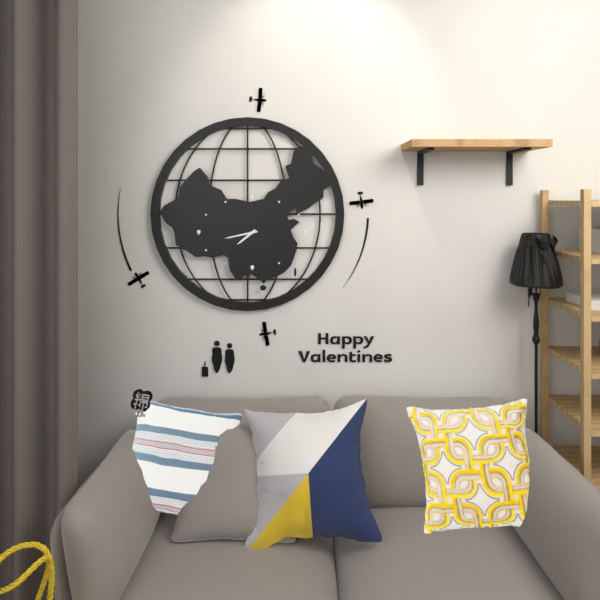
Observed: h=7 m=43
